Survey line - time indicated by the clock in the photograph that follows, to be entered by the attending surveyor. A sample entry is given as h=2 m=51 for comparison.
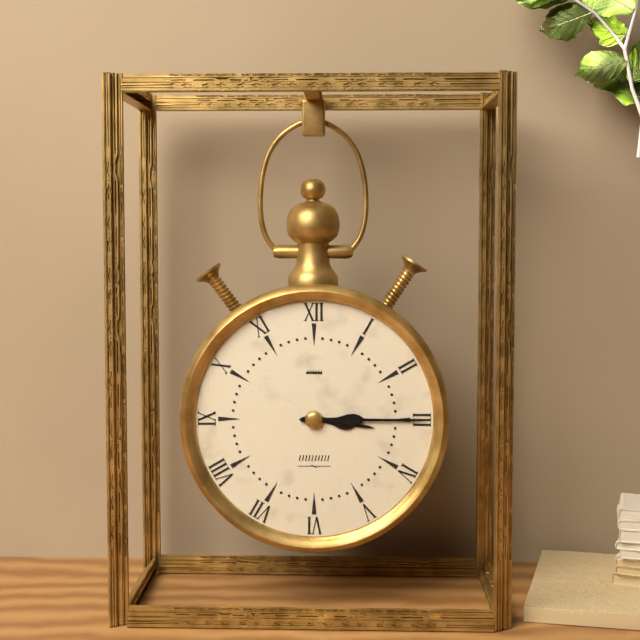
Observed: h=3 m=15
